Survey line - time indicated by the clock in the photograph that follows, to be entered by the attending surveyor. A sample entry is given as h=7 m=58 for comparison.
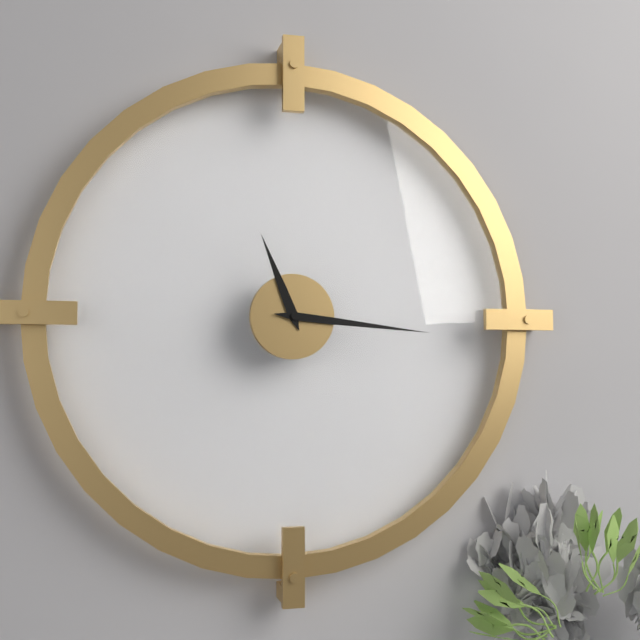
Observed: h=11 m=16
